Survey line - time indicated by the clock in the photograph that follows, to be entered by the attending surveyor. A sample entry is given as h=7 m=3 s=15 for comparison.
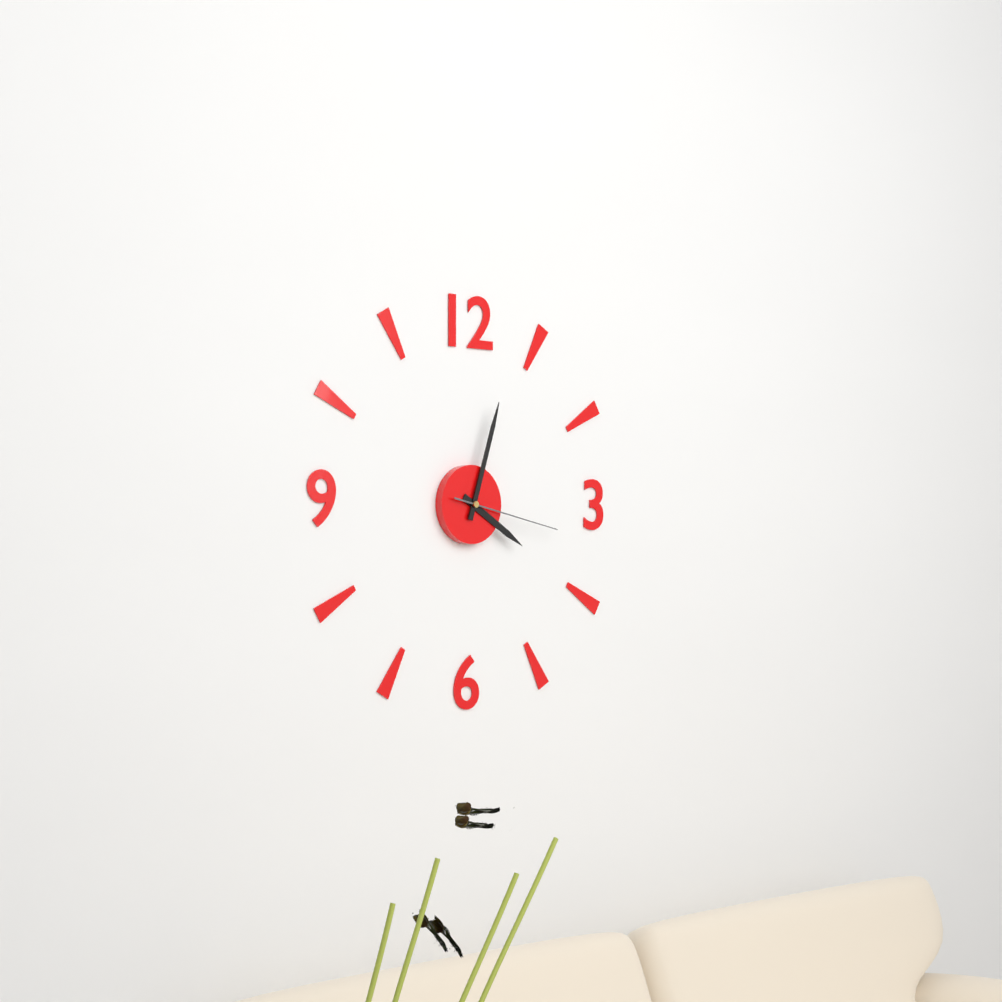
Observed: h=4 m=3 s=17
